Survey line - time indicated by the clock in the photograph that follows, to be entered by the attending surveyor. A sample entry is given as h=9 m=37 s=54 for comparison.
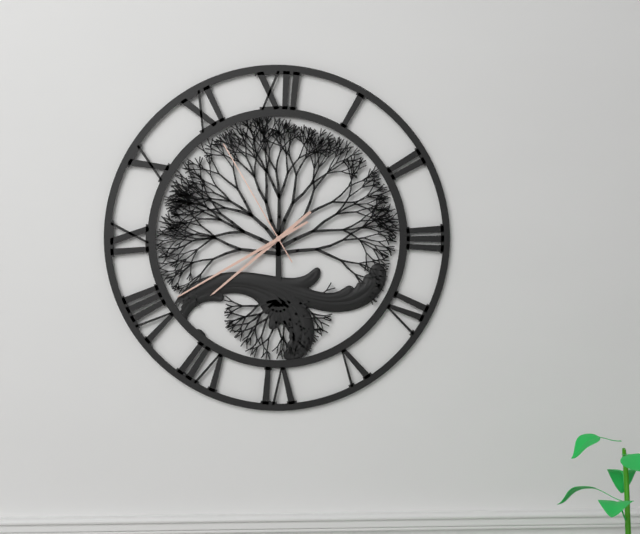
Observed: h=7 m=40 s=55
